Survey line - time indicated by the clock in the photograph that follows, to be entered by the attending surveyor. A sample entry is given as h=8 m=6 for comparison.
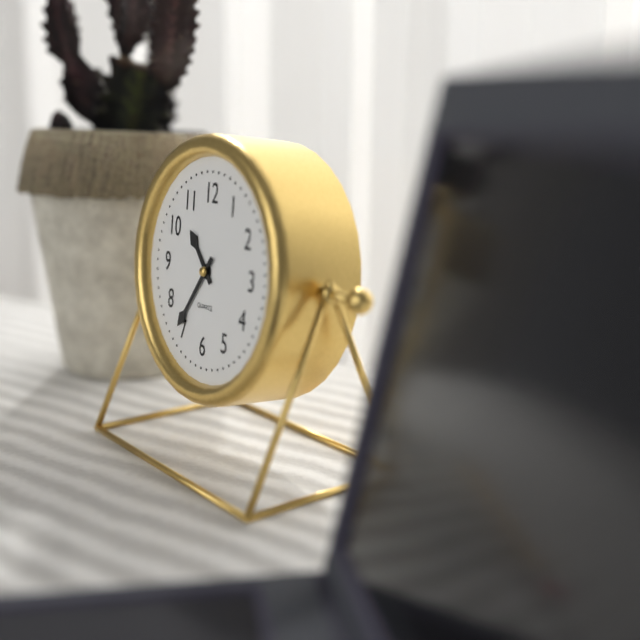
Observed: h=10 m=36
